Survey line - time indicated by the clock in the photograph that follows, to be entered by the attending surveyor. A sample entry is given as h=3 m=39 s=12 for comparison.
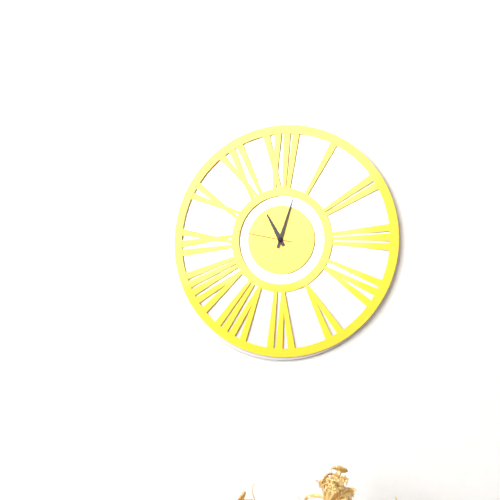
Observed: h=11 m=3 s=47
